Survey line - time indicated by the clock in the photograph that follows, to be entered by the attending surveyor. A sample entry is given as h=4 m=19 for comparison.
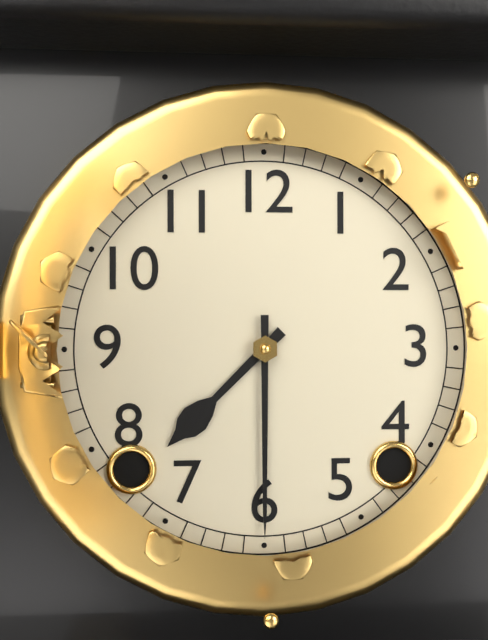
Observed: h=7 m=30
